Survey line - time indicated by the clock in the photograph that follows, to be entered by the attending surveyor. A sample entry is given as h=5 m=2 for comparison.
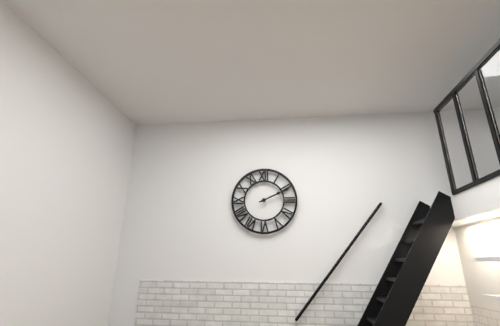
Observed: h=2 m=11
